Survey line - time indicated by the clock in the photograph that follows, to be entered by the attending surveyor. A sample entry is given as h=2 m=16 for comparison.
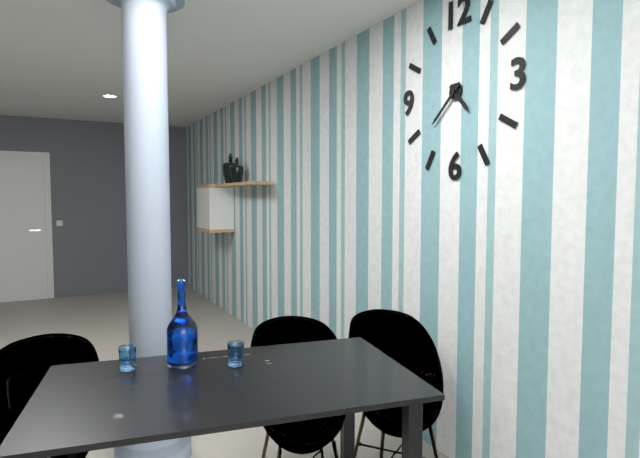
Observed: h=4 m=38
